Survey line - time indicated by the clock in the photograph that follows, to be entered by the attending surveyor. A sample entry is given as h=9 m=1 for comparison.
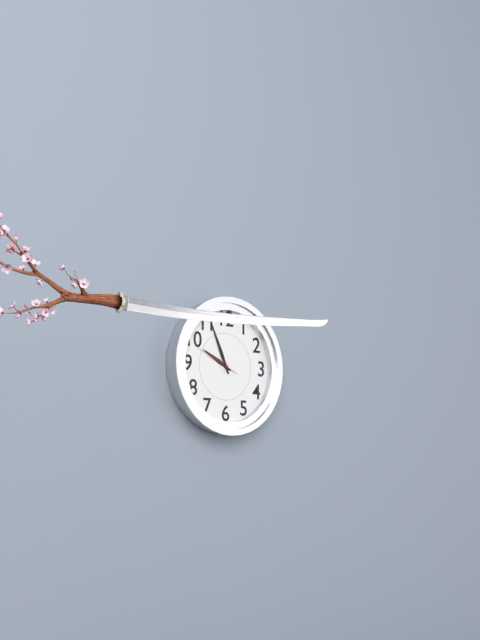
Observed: h=9 m=56
